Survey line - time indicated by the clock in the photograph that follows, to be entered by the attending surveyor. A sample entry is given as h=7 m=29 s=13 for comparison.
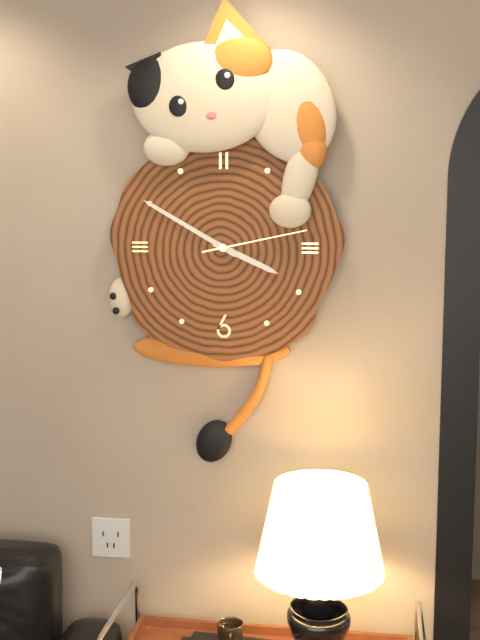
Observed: h=3 m=50 s=13
